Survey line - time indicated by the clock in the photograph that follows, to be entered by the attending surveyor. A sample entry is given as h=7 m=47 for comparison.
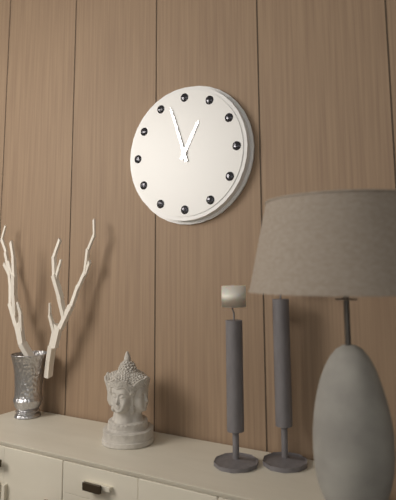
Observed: h=12 m=57
